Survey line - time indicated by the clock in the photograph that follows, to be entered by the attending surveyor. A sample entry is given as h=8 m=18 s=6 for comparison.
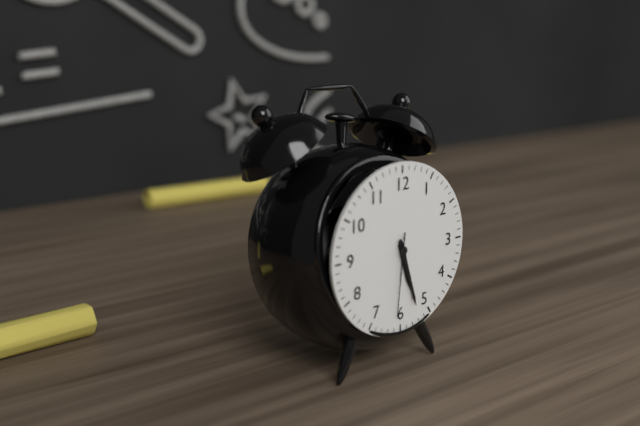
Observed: h=5 m=27 s=31
